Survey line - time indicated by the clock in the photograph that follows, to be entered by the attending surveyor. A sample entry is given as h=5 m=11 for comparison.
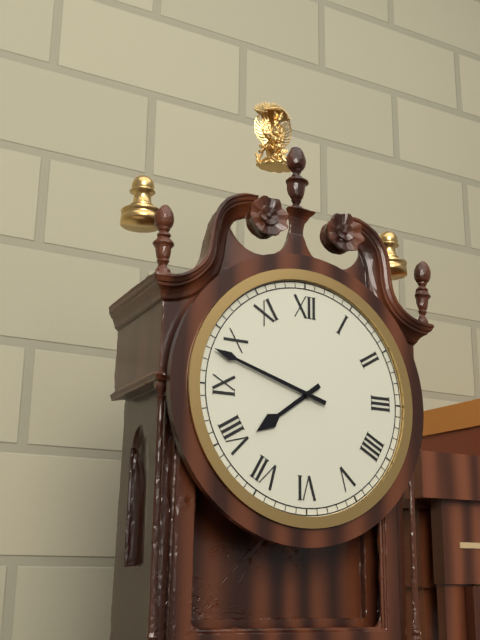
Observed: h=7 m=48
